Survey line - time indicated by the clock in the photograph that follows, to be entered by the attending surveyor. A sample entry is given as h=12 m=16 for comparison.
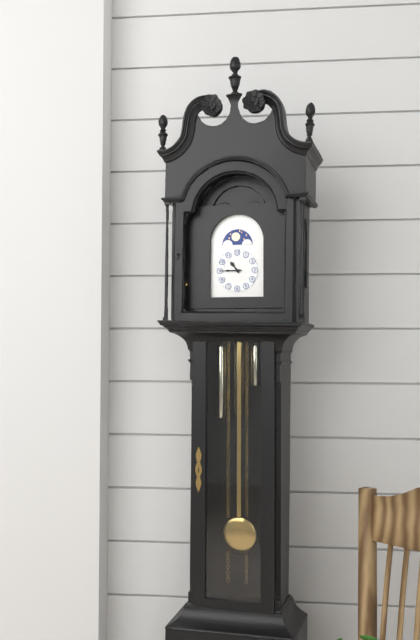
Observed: h=10 m=45
